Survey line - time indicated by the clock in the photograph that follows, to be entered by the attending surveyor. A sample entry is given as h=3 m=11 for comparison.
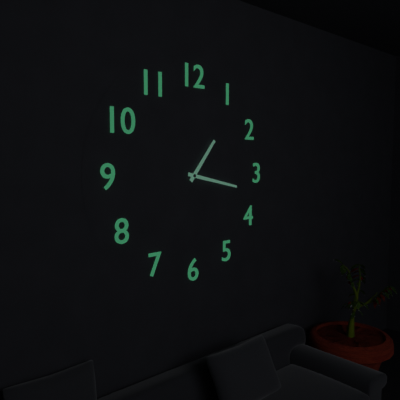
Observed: h=1 m=17
